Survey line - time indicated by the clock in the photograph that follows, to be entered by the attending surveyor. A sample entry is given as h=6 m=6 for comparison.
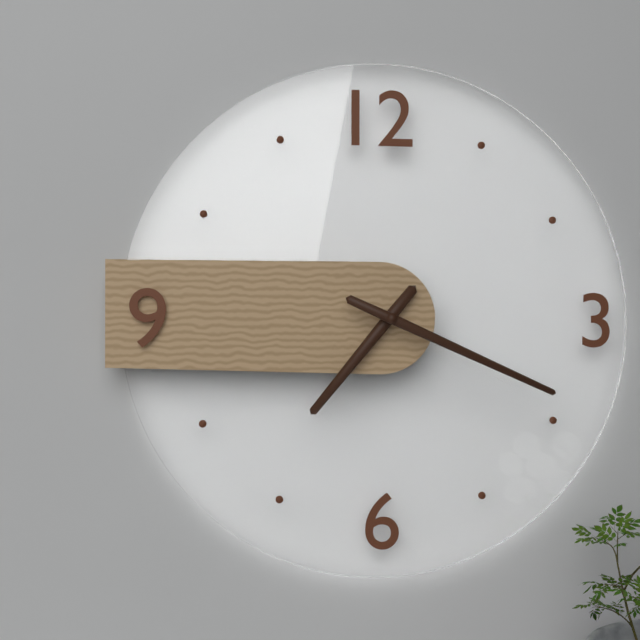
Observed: h=7 m=19
